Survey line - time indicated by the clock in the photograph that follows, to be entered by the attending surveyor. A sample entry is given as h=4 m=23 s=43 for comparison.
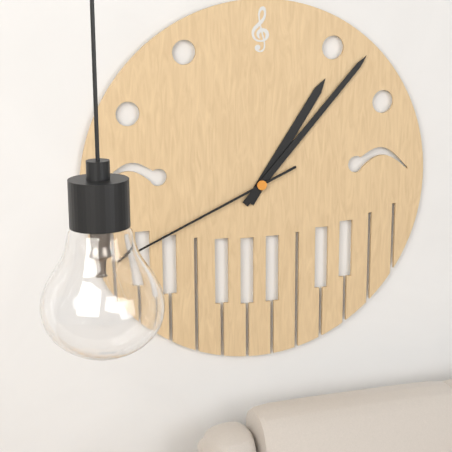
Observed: h=1 m=7 s=41
